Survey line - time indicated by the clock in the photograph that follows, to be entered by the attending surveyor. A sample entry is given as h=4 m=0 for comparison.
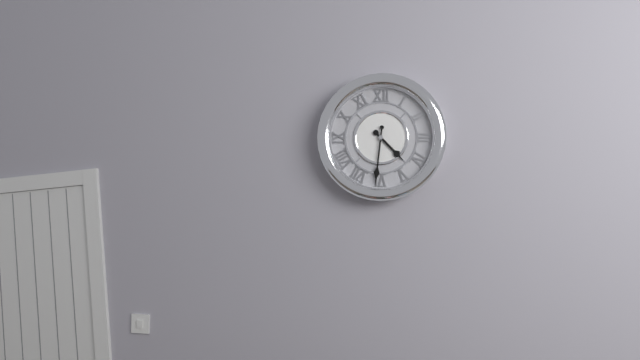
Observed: h=4 m=31
